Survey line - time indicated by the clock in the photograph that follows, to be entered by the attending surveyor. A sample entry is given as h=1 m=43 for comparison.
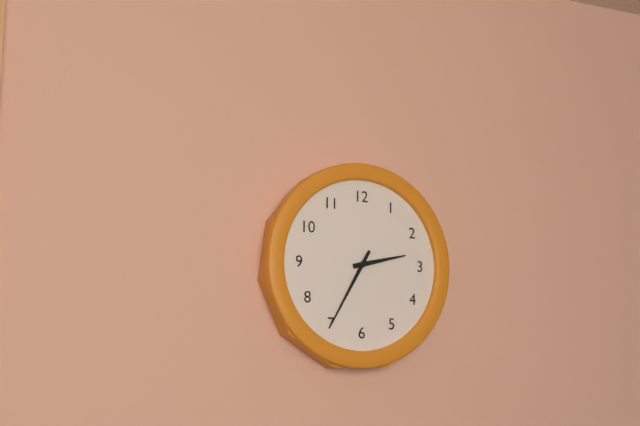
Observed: h=2 m=35
